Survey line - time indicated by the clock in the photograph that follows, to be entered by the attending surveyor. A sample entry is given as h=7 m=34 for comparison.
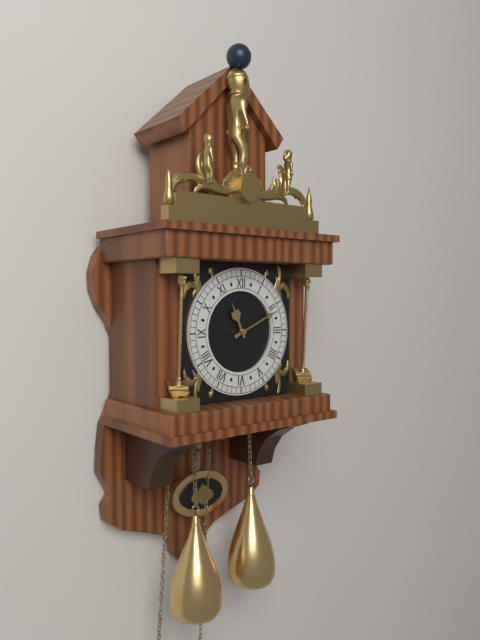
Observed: h=11 m=11
